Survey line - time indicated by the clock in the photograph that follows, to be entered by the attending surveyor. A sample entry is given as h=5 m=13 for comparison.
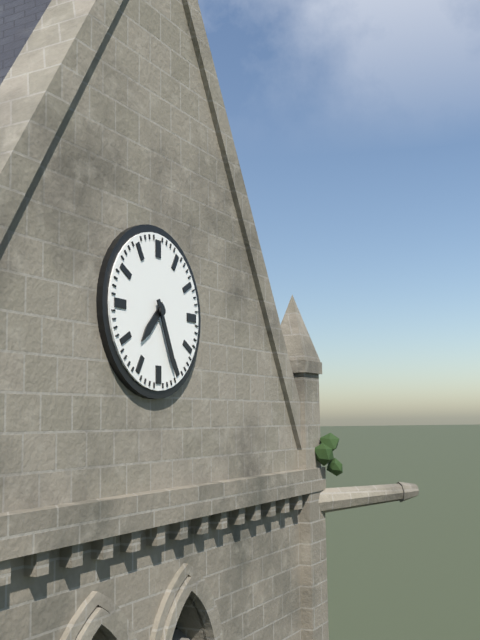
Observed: h=7 m=26
